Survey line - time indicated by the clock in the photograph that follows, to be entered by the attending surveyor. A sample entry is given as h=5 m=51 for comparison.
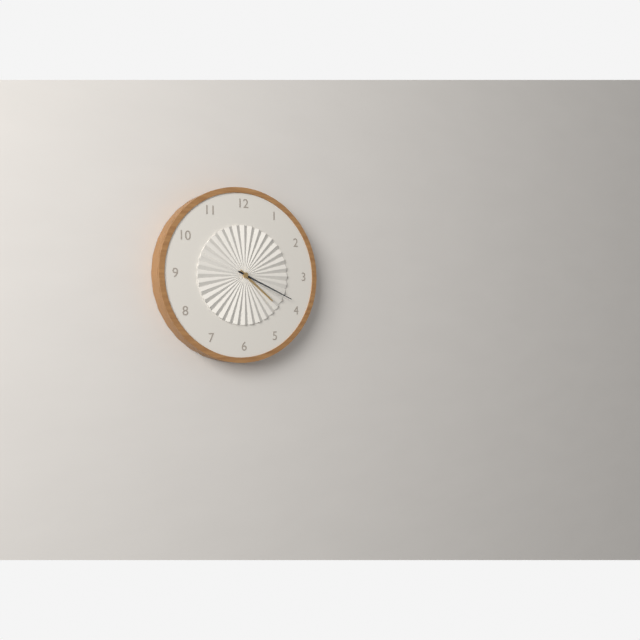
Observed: h=4 m=19
